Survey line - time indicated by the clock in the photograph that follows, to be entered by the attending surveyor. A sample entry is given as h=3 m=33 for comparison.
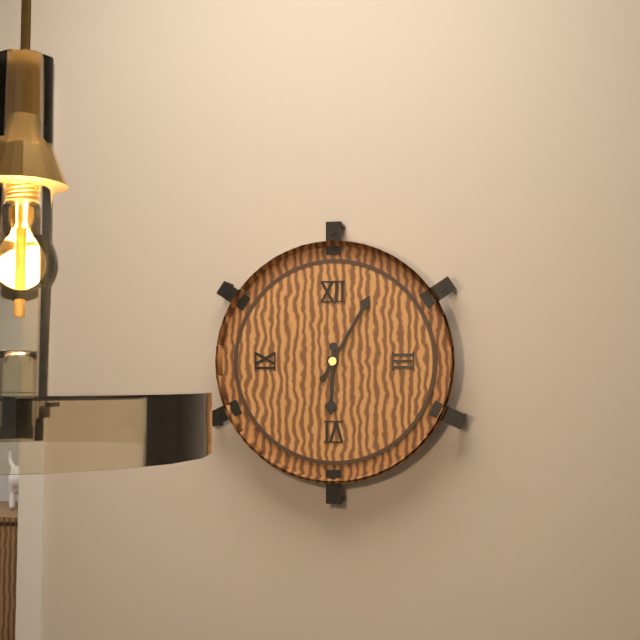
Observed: h=6 m=5
